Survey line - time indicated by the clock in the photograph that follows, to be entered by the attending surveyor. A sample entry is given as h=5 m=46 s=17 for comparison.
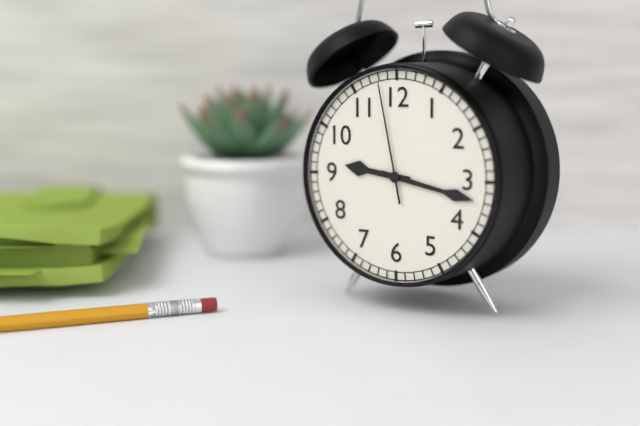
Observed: h=9 m=17 s=58
